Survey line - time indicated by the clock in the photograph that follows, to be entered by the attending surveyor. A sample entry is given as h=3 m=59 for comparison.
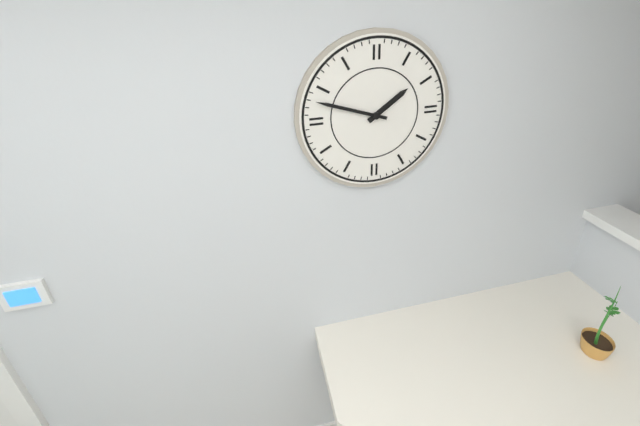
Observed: h=1 m=48
